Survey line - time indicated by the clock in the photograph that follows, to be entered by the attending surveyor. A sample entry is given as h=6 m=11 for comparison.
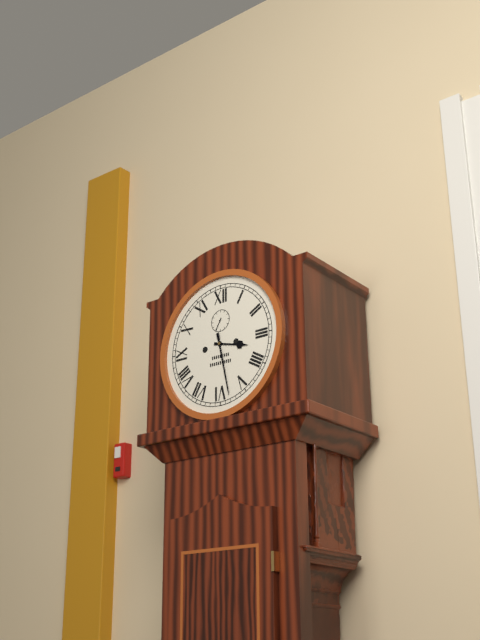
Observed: h=3 m=28
